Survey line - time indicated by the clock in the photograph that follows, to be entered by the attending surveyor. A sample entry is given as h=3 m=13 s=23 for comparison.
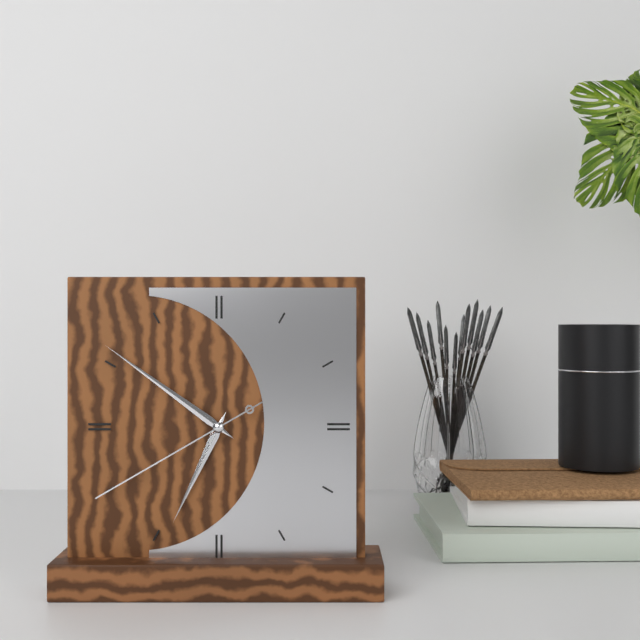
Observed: h=6 m=51 s=40
